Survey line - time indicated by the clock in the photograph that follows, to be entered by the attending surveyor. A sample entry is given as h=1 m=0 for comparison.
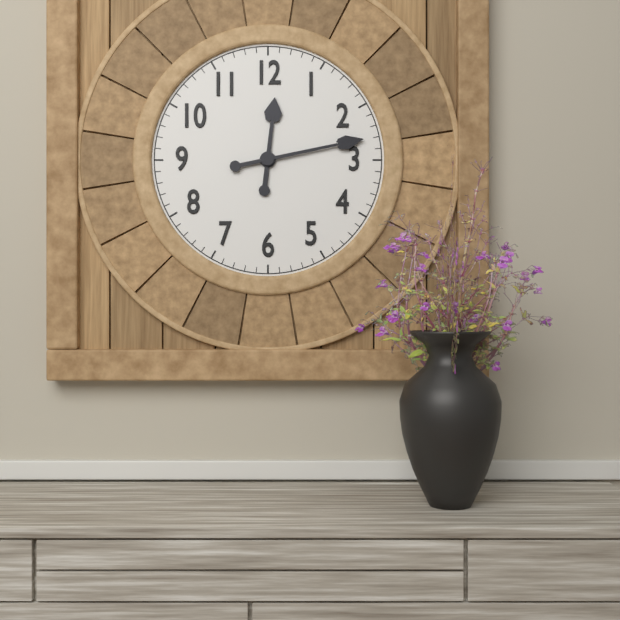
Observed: h=12 m=13
